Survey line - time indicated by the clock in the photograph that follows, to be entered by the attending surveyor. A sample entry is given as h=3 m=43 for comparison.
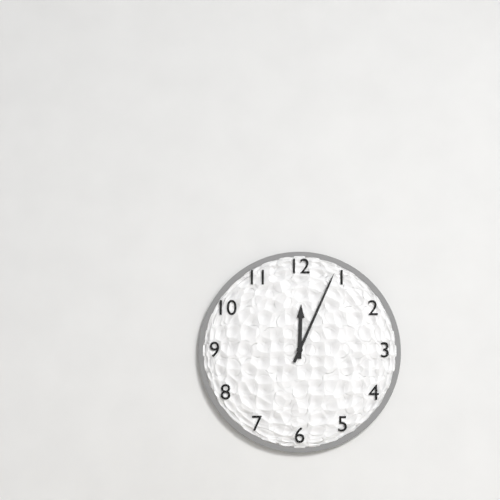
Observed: h=12 m=4
